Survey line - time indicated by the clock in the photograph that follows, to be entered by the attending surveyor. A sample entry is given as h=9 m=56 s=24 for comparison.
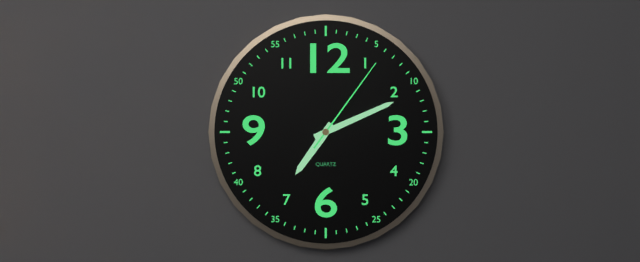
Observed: h=7 m=11 s=6
